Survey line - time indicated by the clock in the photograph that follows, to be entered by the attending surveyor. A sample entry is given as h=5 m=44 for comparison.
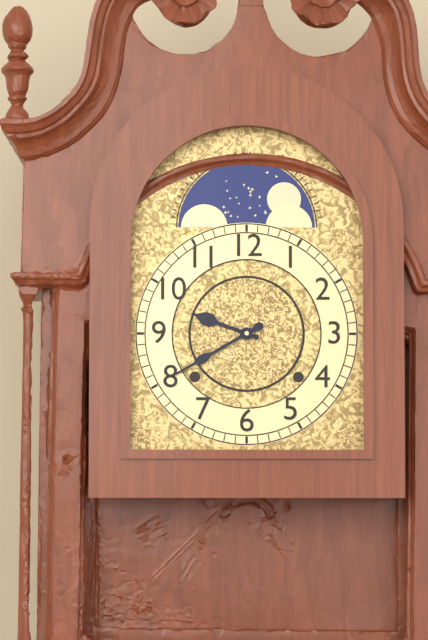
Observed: h=9 m=40
